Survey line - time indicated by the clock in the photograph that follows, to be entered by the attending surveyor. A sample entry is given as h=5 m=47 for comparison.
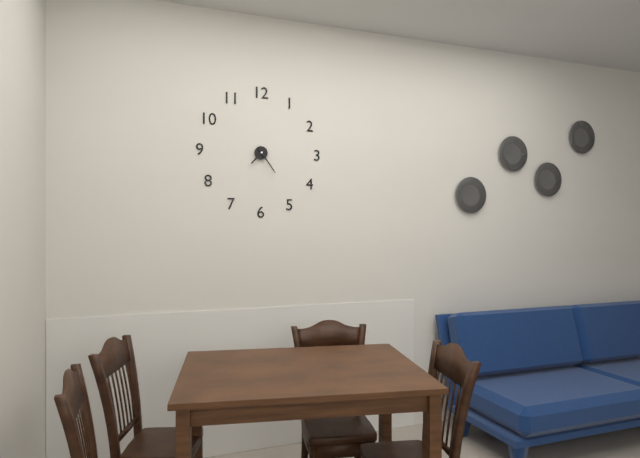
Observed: h=7 m=24
